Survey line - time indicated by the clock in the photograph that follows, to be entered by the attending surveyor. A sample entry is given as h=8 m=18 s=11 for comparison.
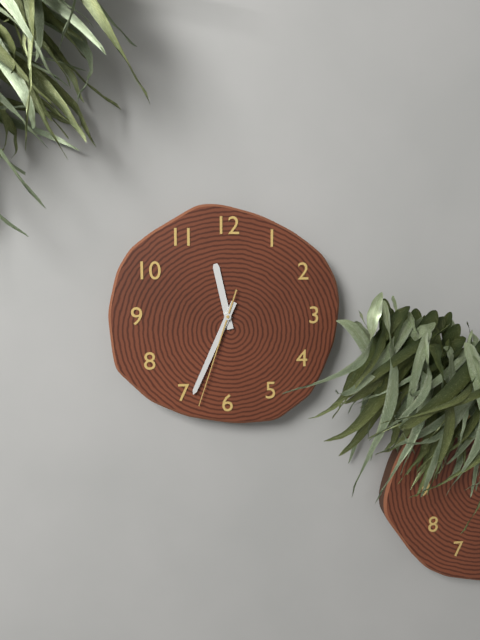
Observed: h=11 m=34 s=33
